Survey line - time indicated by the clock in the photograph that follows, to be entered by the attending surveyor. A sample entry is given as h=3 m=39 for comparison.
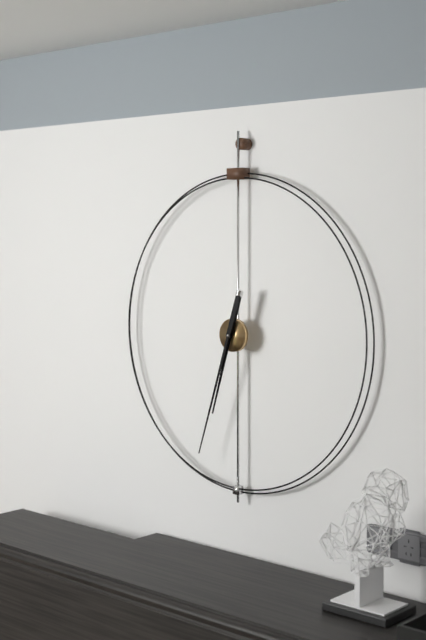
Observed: h=6 m=33
